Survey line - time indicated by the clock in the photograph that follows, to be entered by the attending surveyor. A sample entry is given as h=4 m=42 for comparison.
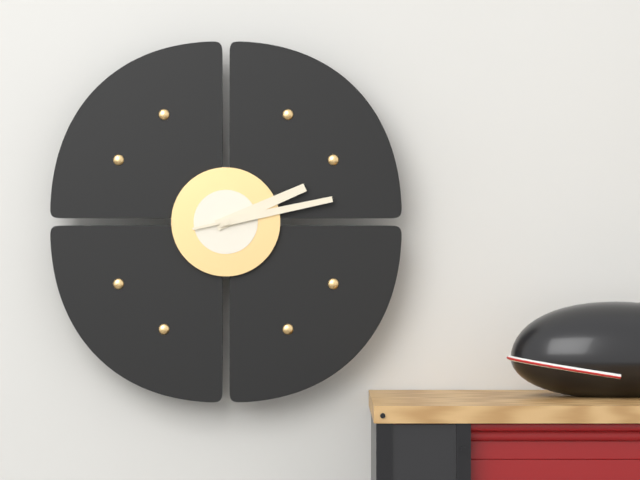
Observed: h=2 m=13
